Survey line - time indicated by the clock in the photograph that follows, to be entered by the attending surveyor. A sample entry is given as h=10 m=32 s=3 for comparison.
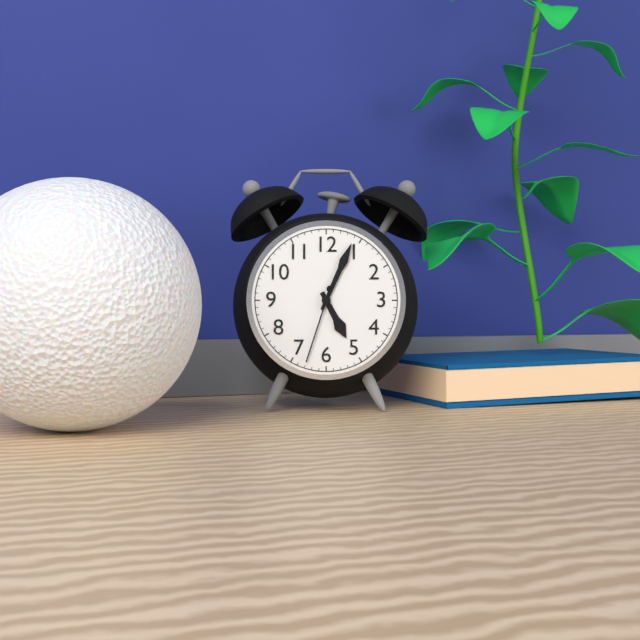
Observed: h=5 m=4 s=33
